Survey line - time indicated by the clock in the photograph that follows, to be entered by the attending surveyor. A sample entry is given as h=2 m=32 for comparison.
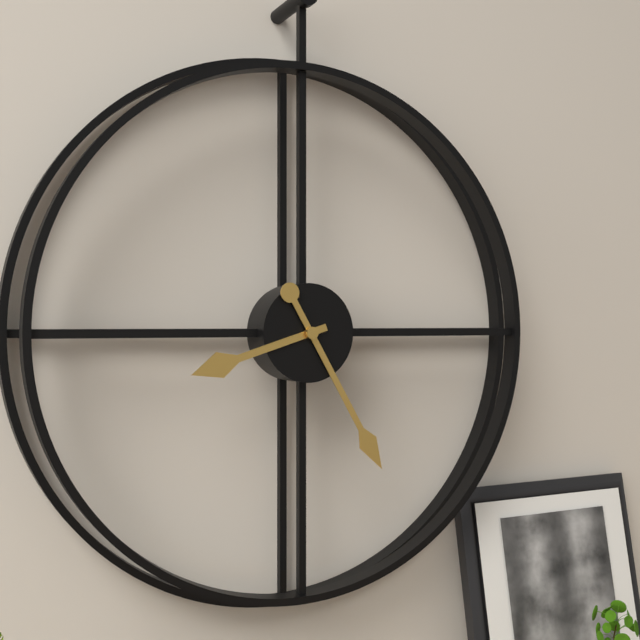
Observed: h=8 m=25
